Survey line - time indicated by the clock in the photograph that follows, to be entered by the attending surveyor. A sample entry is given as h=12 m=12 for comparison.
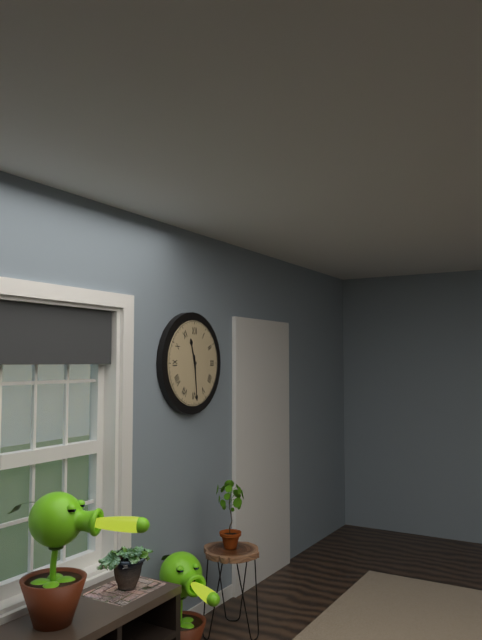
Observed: h=11 m=29
